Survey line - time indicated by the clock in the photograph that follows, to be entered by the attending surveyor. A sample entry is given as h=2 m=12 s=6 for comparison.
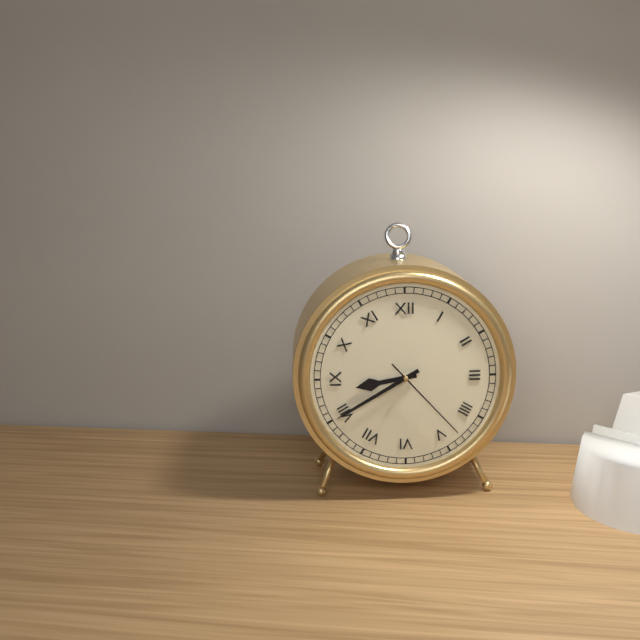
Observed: h=8 m=40 s=23
